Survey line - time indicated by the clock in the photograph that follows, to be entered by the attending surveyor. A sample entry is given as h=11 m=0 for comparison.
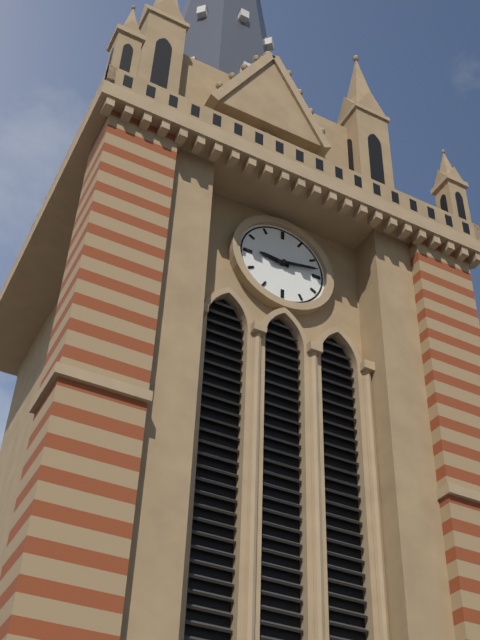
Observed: h=9 m=13
